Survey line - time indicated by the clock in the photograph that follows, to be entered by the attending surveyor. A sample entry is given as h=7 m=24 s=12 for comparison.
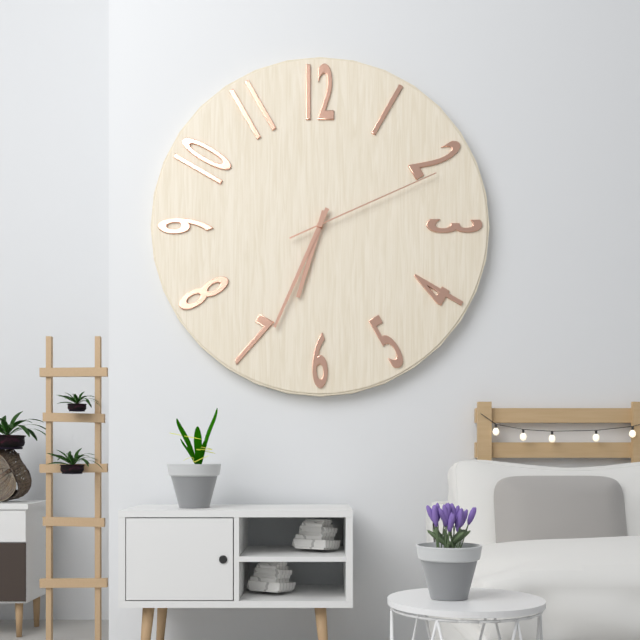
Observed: h=6 m=34 s=11
